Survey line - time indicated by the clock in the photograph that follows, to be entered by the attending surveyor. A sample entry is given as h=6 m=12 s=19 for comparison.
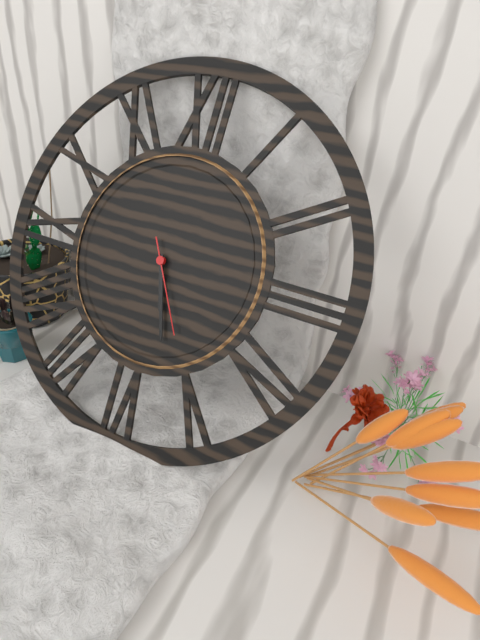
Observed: h=5 m=27 s=25
